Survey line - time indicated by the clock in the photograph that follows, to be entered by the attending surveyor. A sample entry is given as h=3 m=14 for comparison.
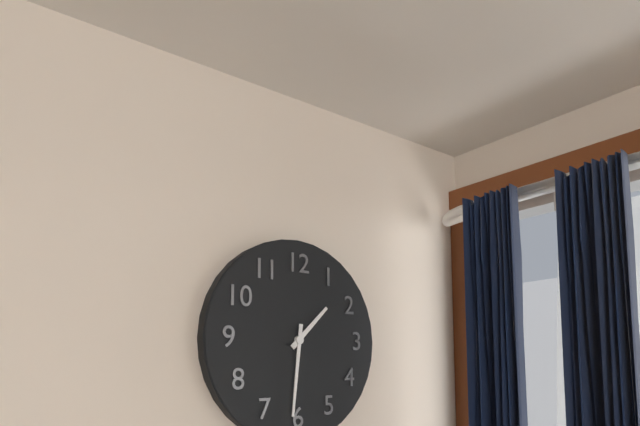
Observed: h=1 m=31
